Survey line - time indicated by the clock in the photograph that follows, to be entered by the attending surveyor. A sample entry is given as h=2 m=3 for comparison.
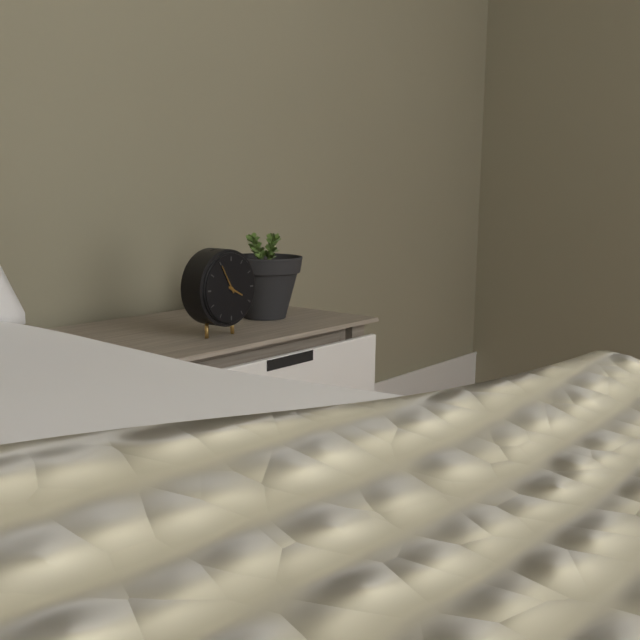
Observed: h=3 m=55
